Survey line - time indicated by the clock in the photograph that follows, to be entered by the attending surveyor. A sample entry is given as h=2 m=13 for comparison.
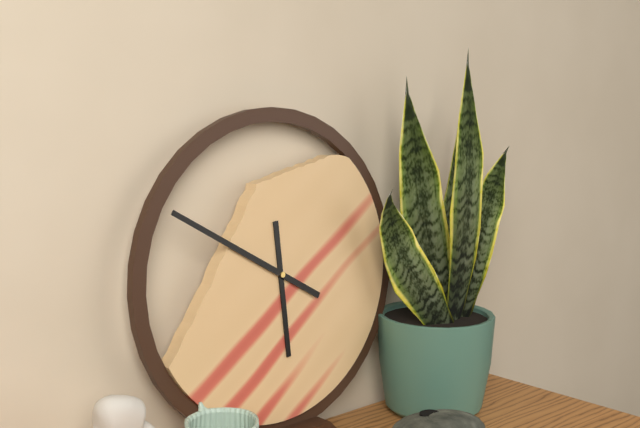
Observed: h=5 m=50
